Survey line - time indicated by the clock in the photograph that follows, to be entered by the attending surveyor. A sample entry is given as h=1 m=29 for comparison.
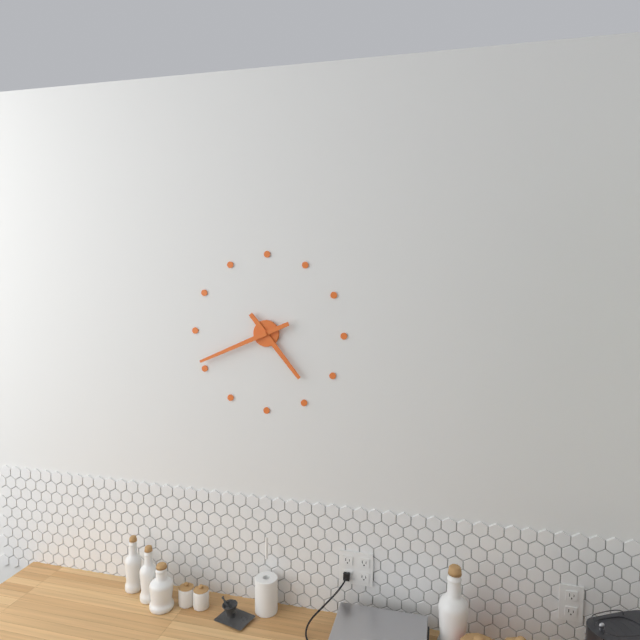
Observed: h=4 m=41
